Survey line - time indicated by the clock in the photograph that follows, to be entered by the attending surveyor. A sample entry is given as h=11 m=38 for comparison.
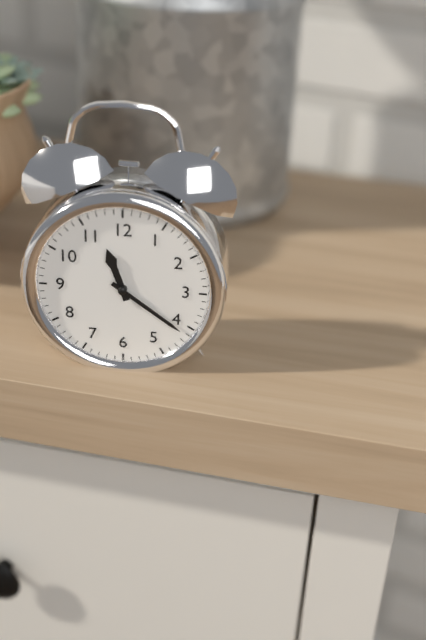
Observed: h=11 m=21
